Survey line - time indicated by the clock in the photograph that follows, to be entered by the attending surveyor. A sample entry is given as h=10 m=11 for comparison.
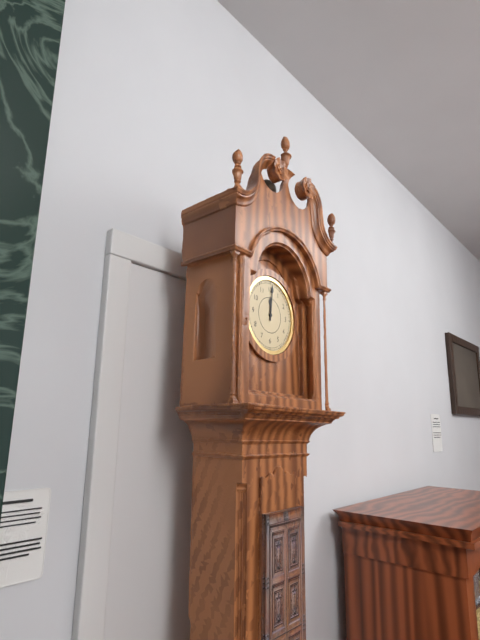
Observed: h=12 m=1
